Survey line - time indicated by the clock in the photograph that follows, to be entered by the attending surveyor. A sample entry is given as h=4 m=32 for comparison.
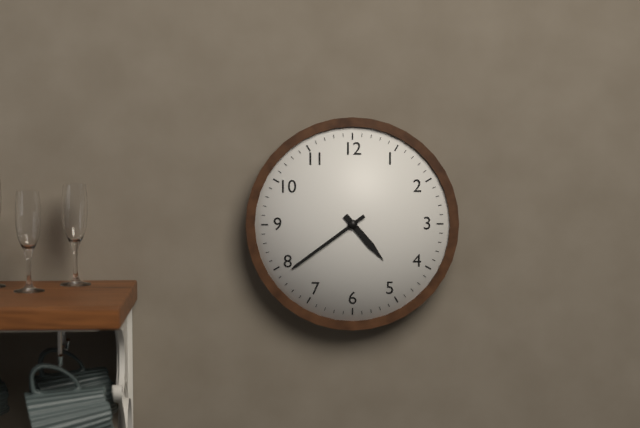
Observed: h=4 m=39
